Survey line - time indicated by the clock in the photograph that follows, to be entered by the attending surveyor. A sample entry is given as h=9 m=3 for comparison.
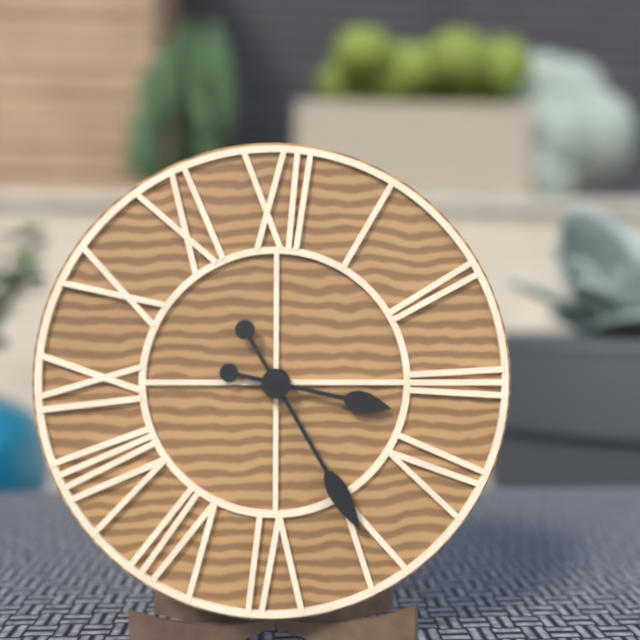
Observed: h=3 m=25
